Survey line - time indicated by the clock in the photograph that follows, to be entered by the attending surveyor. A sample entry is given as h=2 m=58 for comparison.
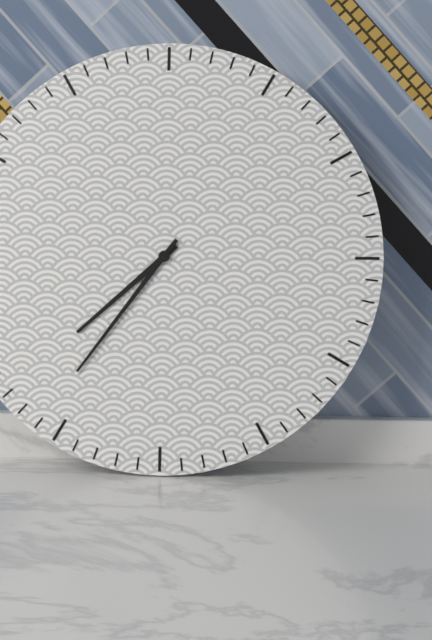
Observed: h=7 m=36
